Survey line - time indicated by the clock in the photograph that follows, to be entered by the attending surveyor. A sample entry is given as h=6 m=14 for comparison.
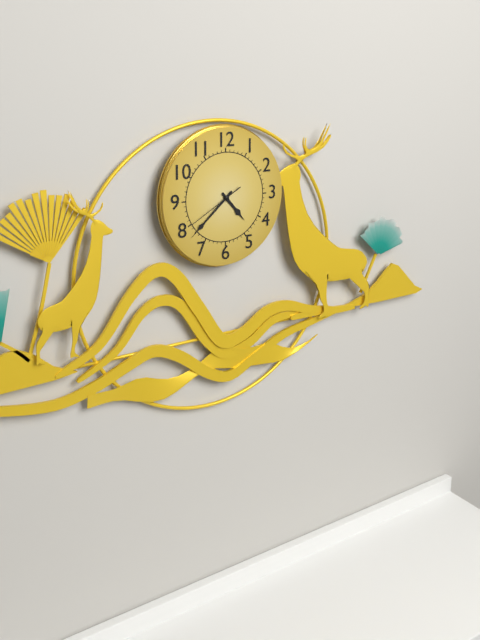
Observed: h=4 m=38
